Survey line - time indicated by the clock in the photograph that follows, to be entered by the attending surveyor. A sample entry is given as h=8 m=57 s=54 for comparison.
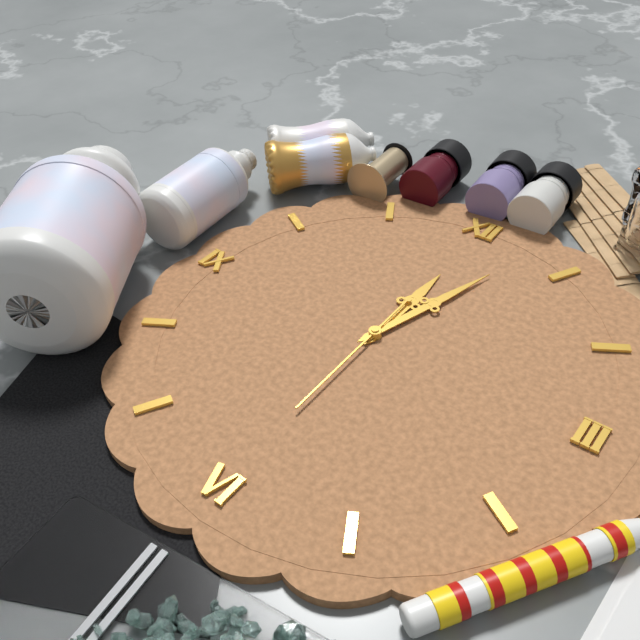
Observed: h=12 m=3 s=30
